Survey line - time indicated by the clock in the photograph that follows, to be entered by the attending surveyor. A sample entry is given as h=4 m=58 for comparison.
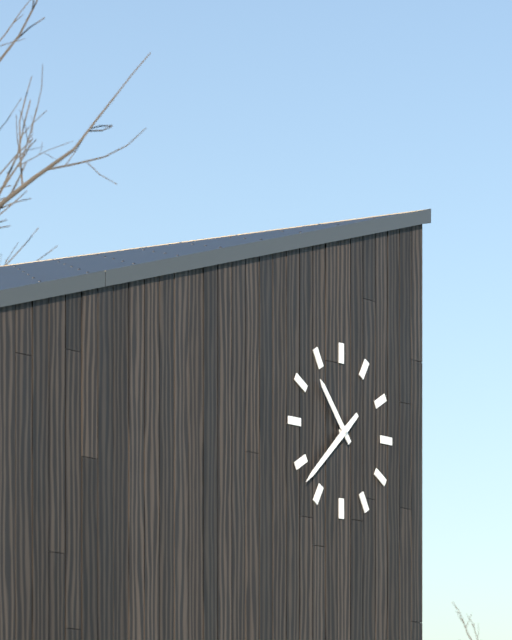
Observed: h=10 m=38
